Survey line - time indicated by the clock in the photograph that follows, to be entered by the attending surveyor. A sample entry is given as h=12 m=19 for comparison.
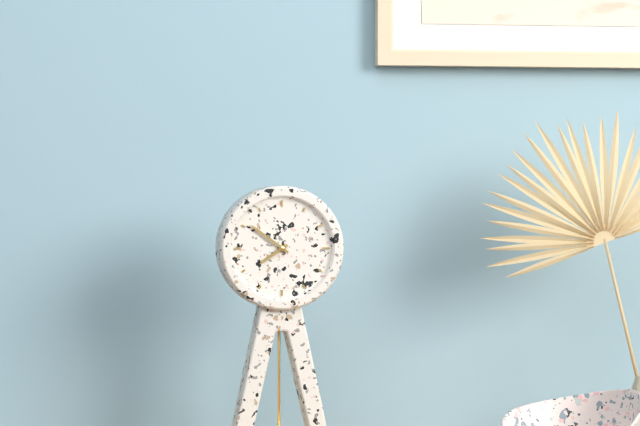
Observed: h=7 m=51
